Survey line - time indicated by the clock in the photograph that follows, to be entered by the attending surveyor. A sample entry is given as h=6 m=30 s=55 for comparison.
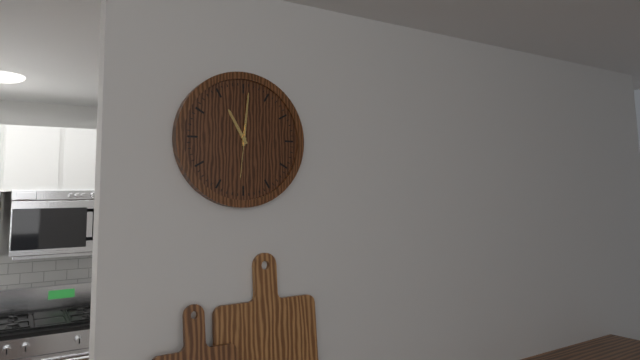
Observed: h=11 m=1 s=31
